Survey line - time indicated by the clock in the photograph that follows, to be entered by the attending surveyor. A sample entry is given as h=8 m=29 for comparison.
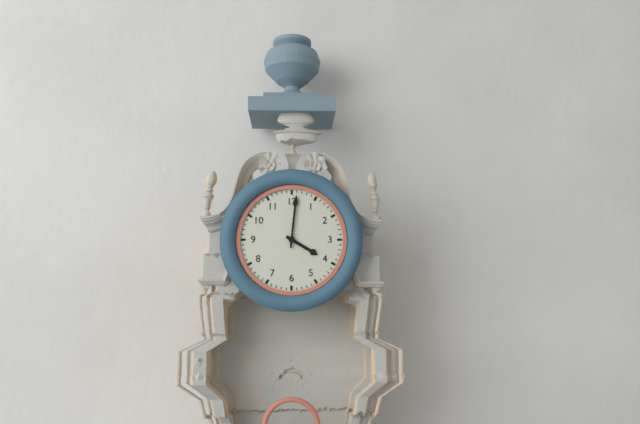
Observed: h=4 m=1
